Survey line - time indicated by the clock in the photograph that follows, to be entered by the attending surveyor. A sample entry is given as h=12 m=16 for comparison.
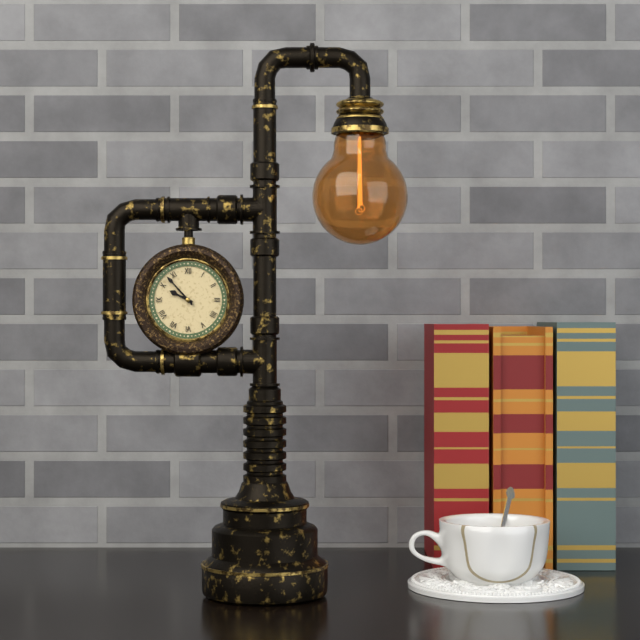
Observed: h=9 m=53
